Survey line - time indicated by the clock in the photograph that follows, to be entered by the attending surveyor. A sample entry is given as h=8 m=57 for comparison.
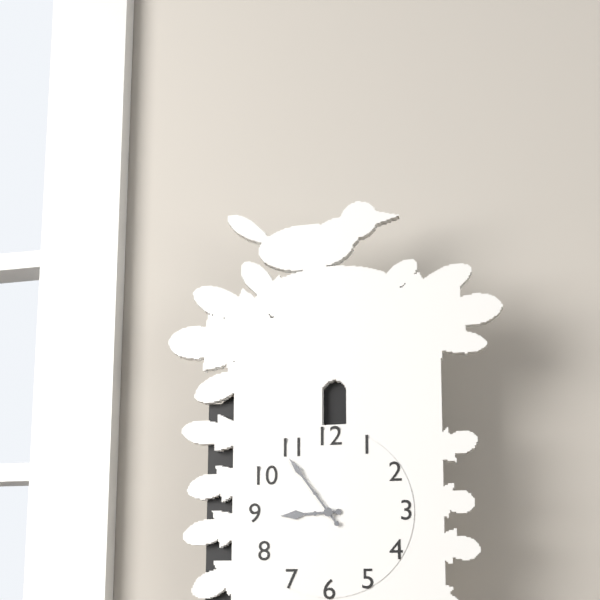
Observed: h=8 m=54
